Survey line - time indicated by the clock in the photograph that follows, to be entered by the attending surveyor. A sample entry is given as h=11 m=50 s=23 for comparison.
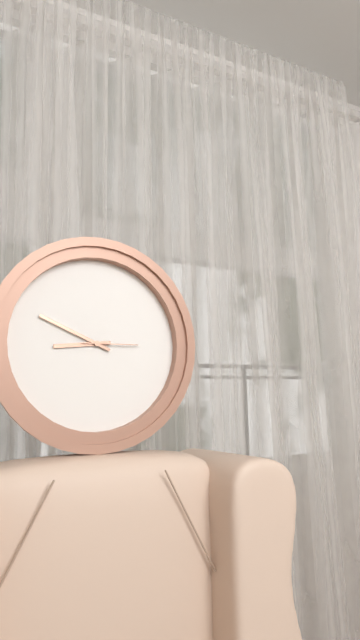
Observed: h=8 m=49 s=15
